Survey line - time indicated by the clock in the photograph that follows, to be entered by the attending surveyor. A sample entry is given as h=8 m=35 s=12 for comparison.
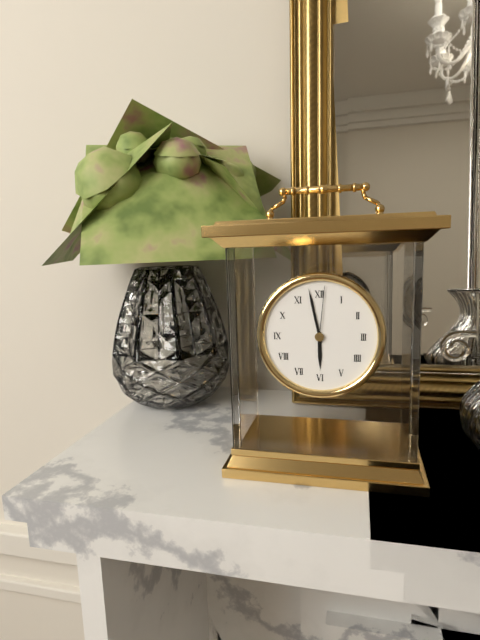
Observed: h=5 m=58 s=1
